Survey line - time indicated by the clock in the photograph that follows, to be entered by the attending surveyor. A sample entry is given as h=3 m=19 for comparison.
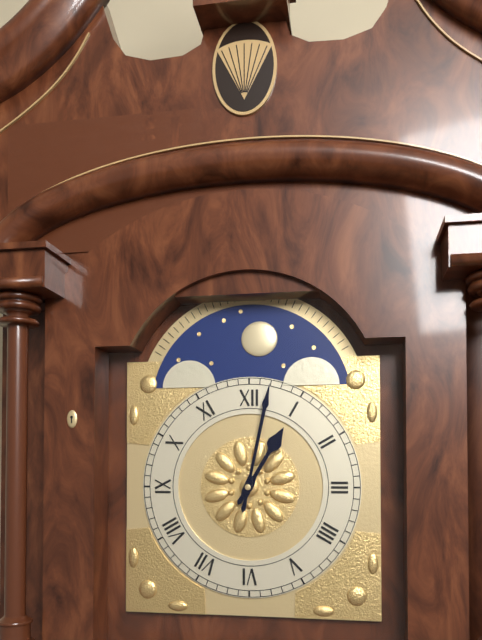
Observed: h=1 m=2
